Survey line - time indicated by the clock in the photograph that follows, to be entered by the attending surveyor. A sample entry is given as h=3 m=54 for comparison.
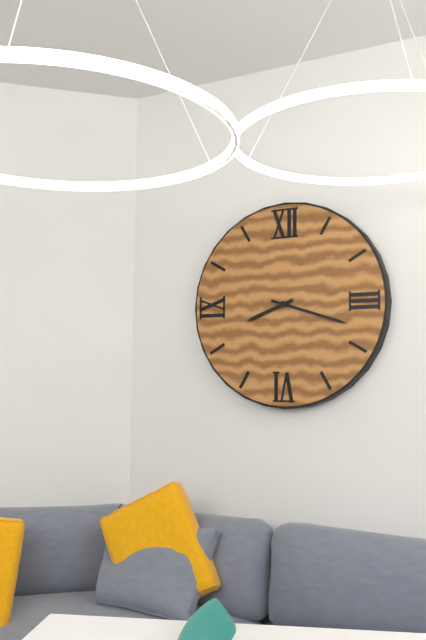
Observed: h=8 m=18
